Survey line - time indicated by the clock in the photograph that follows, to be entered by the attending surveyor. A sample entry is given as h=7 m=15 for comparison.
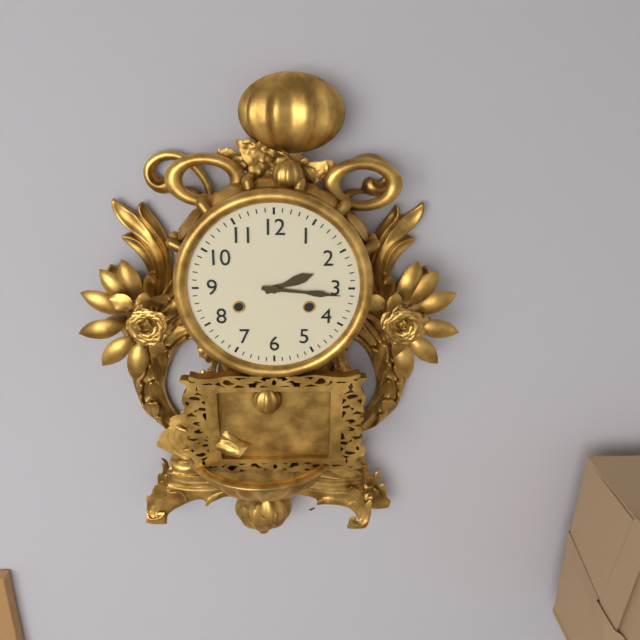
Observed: h=2 m=16
